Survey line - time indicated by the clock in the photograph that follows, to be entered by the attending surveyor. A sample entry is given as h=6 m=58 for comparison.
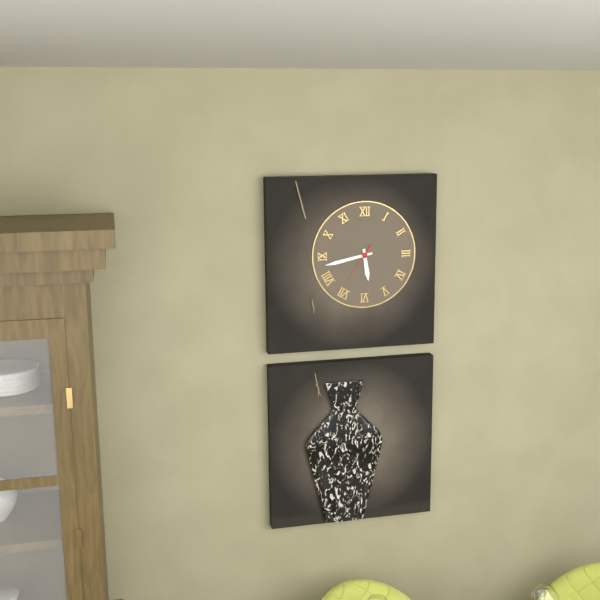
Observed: h=5 m=43
